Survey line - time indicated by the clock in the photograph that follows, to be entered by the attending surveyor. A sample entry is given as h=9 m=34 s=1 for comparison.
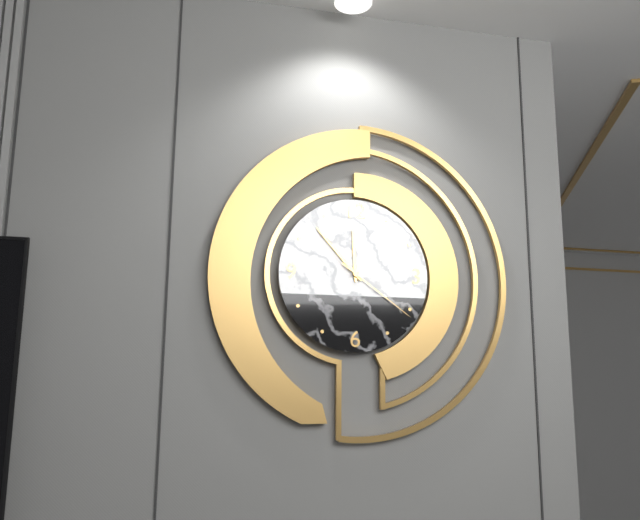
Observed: h=11 m=53 s=21
